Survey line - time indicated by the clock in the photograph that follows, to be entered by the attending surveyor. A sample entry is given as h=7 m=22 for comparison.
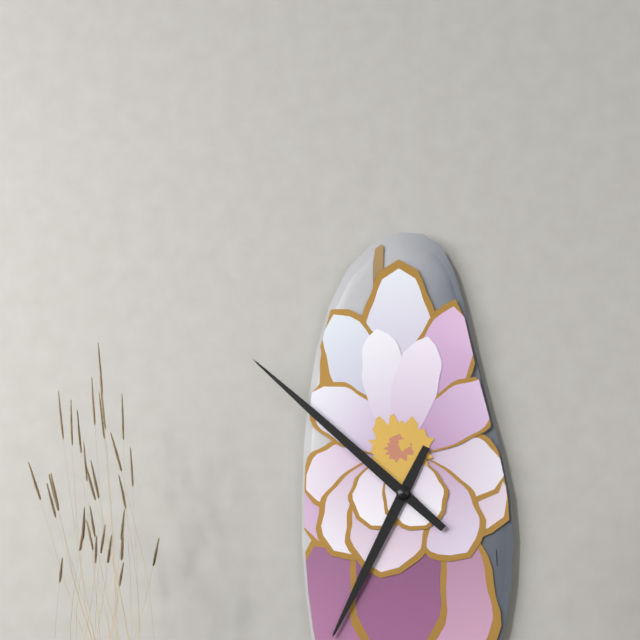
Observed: h=6 m=52
